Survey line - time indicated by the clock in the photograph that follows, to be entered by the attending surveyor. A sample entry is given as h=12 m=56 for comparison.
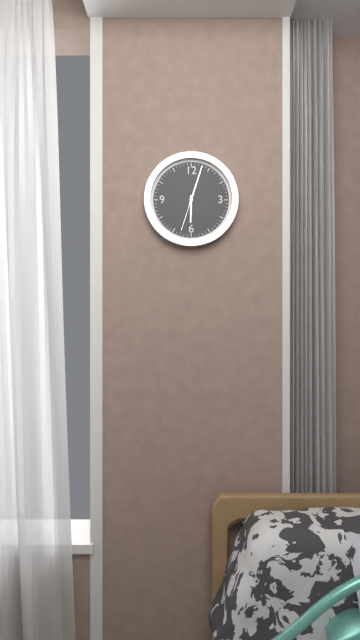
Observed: h=6 m=3
